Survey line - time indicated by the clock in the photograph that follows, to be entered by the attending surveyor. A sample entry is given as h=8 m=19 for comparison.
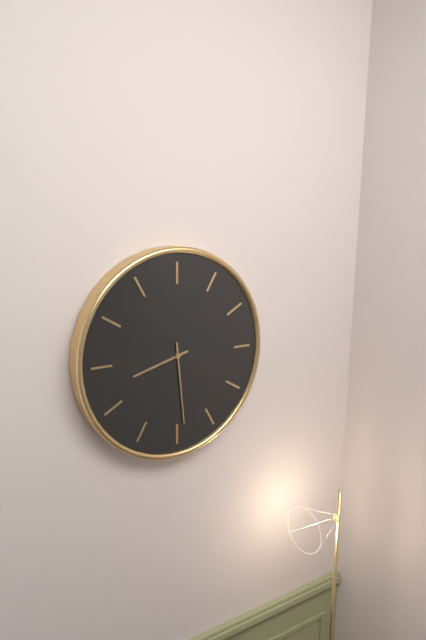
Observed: h=8 m=29
